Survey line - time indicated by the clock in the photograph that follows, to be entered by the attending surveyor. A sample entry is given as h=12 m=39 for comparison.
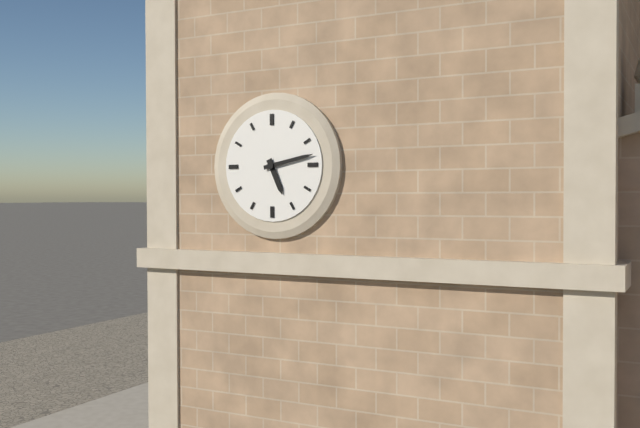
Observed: h=5 m=13
